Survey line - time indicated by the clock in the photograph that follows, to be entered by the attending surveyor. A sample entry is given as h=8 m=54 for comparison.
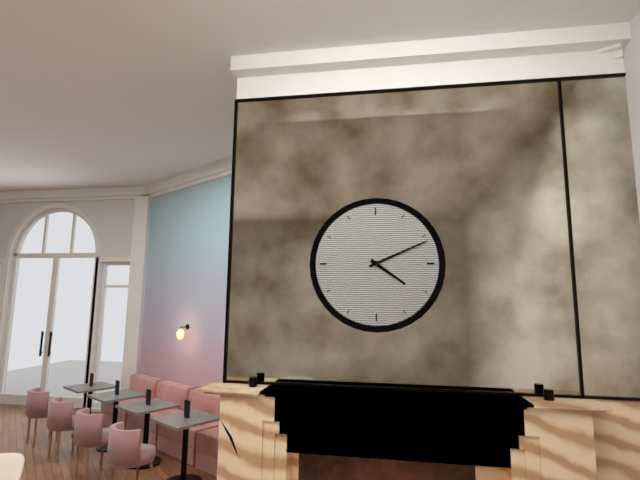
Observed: h=4 m=11
